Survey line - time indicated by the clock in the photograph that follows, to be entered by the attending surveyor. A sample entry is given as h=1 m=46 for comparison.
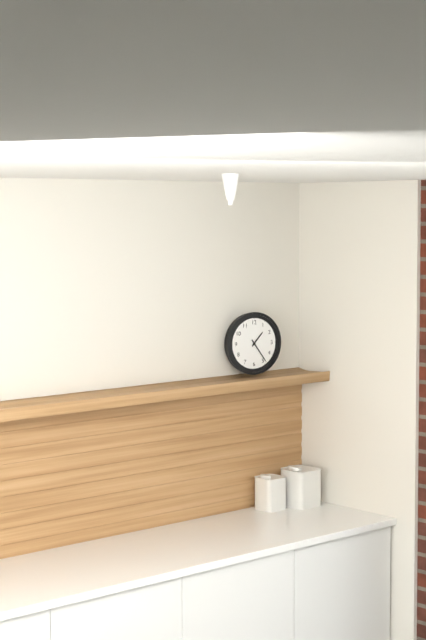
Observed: h=1 m=24
